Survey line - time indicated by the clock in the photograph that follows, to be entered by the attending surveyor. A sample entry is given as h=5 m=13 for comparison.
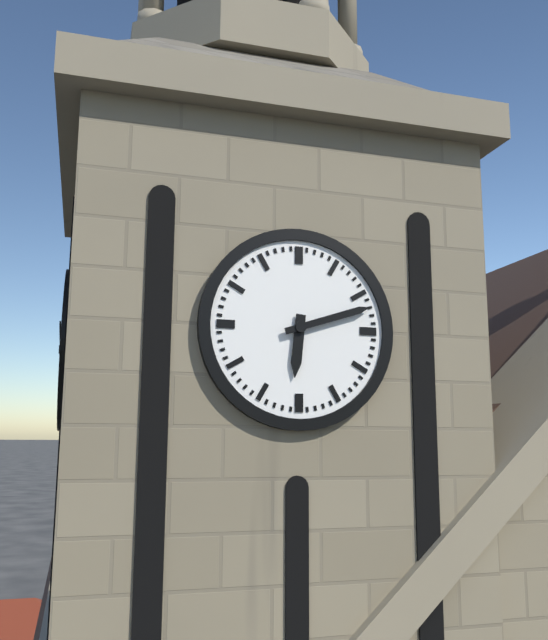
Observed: h=6 m=12
